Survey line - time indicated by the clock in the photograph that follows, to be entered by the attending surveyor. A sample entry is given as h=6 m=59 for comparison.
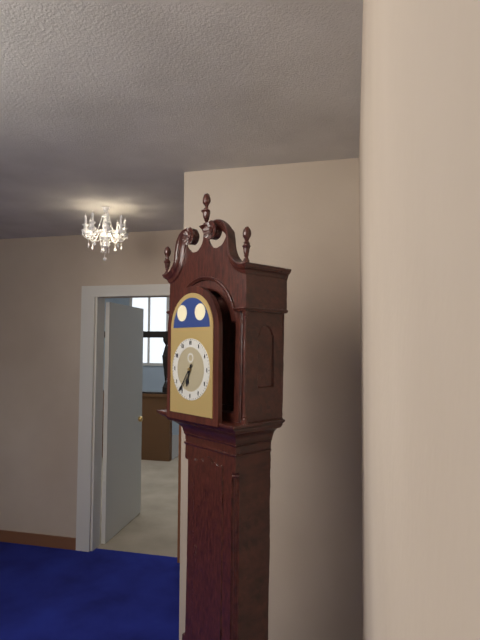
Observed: h=6 m=36
